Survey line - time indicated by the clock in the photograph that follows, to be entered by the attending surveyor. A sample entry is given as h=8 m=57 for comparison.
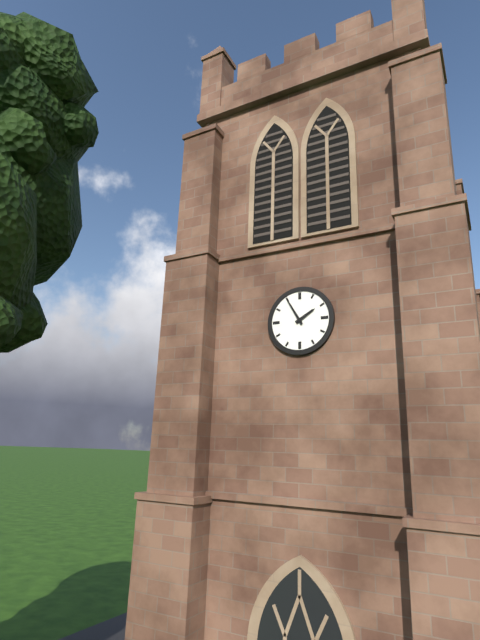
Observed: h=1 m=55
